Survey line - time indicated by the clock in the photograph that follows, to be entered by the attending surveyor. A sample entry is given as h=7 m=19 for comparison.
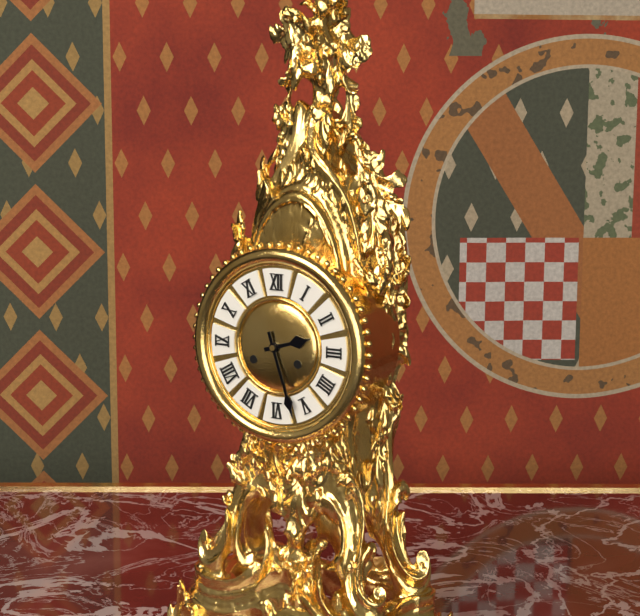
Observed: h=2 m=27
